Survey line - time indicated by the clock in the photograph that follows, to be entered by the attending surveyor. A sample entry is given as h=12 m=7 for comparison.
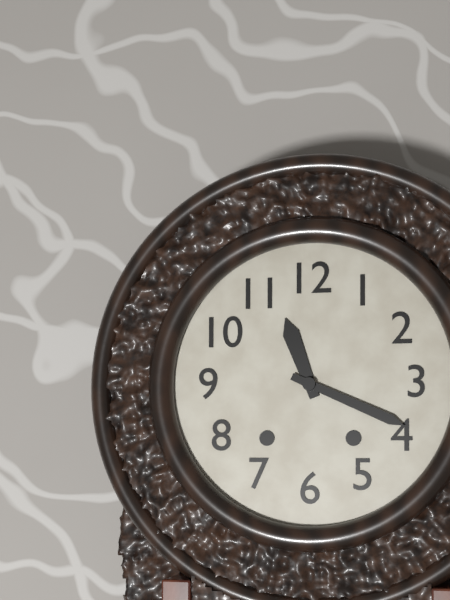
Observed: h=11 m=19
